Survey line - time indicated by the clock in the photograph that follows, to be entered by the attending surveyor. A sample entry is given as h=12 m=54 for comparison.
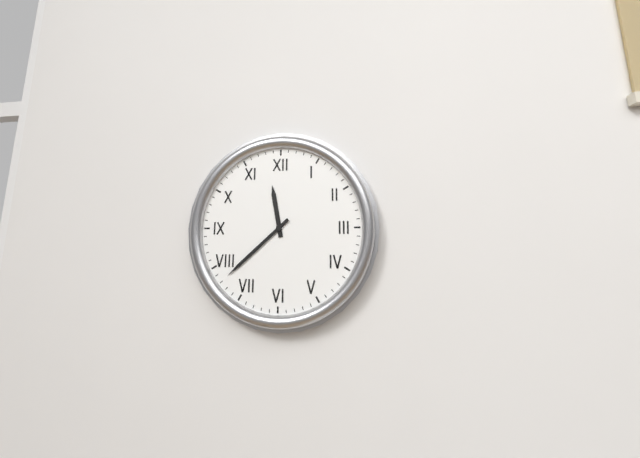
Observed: h=11 m=38
